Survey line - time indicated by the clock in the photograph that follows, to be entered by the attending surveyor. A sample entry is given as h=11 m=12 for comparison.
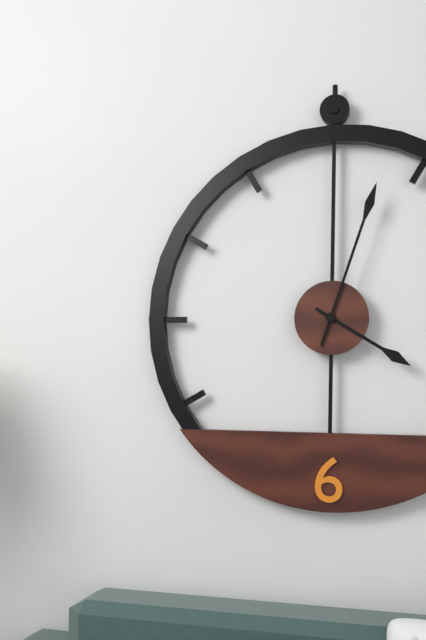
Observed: h=4 m=3
